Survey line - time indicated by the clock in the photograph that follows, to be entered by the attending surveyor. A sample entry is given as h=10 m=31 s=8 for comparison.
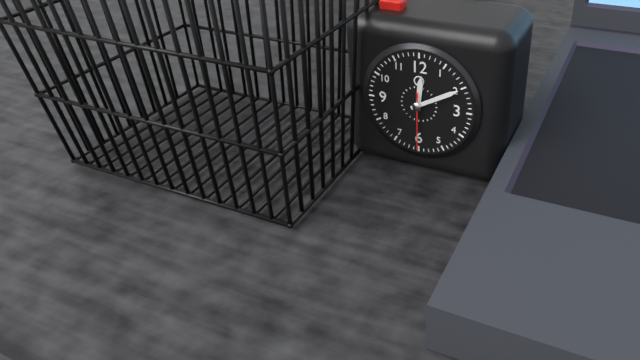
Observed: h=12 m=10 s=30
